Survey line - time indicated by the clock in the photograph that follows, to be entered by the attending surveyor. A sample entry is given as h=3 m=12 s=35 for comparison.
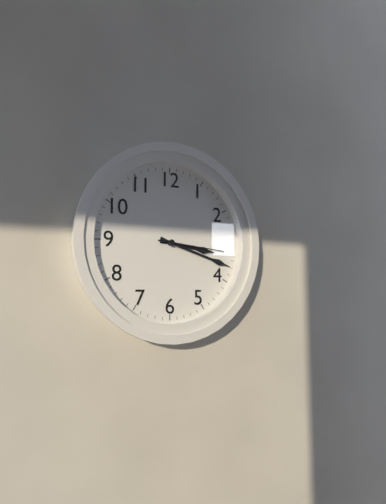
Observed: h=3 m=18 s=16
